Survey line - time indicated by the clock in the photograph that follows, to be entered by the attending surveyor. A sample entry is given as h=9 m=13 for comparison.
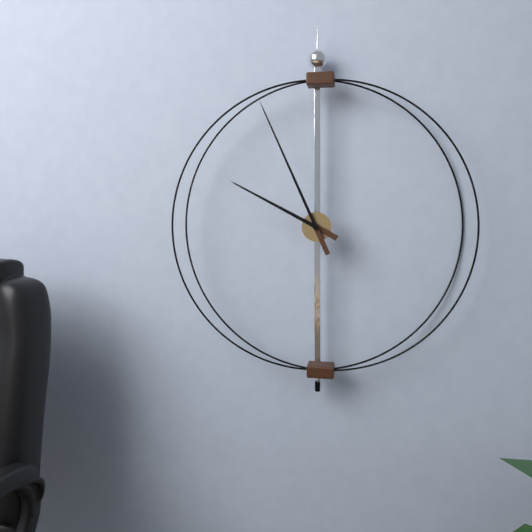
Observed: h=9 m=56
